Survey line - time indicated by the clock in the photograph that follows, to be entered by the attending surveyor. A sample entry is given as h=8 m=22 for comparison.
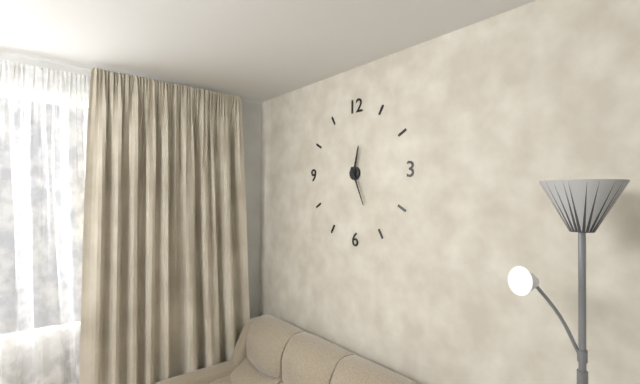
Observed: h=12 m=26
